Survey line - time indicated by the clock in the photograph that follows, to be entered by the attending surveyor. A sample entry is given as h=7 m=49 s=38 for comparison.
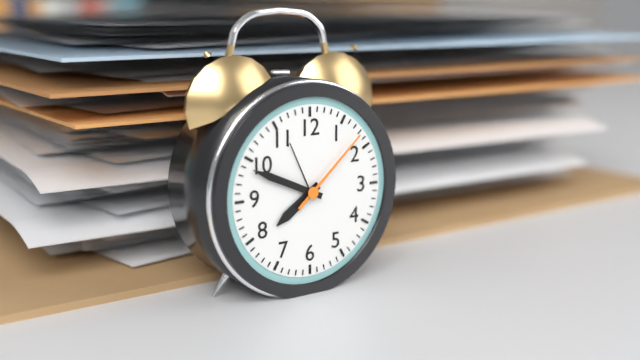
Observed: h=7 m=49 s=8
